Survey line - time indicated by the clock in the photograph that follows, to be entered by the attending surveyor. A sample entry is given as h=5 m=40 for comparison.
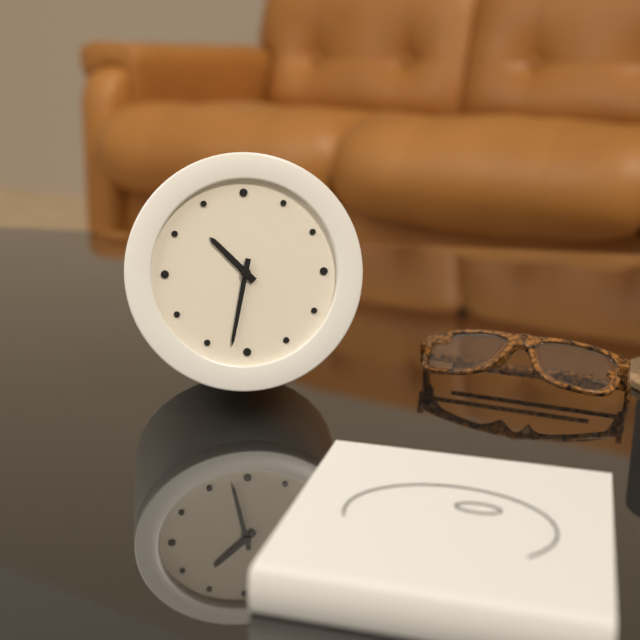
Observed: h=10 m=32
